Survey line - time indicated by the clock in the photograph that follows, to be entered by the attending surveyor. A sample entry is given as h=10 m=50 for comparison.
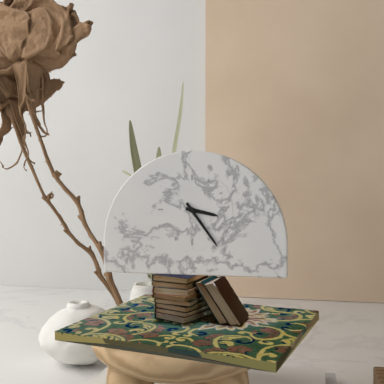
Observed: h=3 m=24
